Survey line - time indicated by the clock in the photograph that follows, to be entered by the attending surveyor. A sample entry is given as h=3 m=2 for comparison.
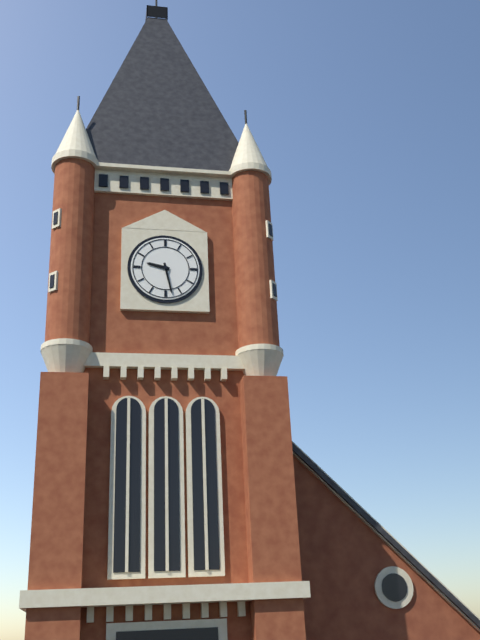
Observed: h=9 m=28
